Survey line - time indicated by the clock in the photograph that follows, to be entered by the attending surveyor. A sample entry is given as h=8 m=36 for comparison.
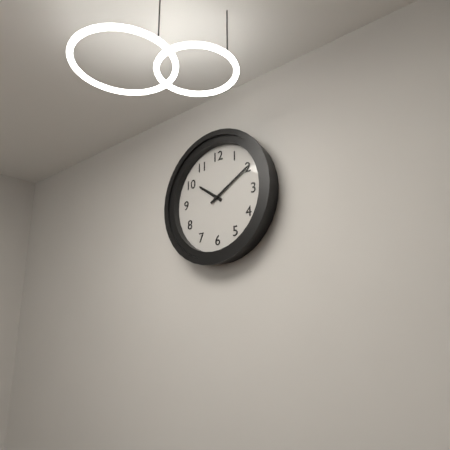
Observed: h=10 m=10
